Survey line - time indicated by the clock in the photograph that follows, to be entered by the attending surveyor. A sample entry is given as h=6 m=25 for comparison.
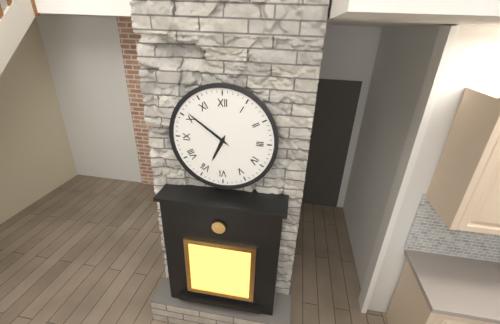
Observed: h=6 m=51
